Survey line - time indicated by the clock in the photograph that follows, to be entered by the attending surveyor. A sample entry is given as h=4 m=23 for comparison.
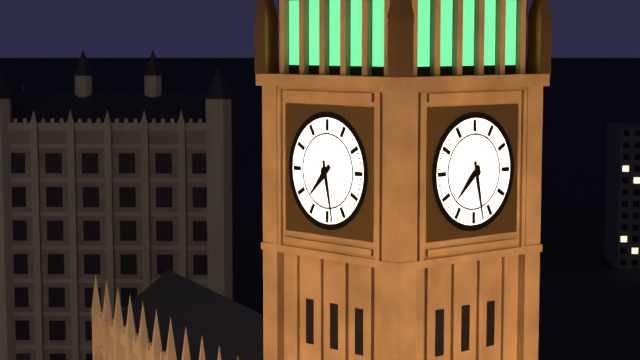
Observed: h=7 m=28
